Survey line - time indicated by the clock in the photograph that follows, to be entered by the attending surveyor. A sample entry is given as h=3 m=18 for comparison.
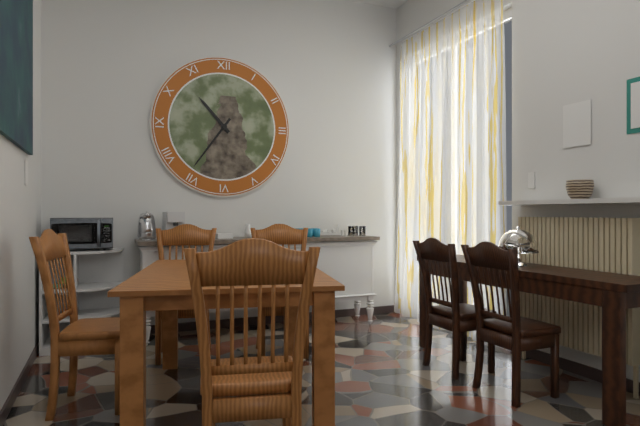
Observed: h=10 m=36
